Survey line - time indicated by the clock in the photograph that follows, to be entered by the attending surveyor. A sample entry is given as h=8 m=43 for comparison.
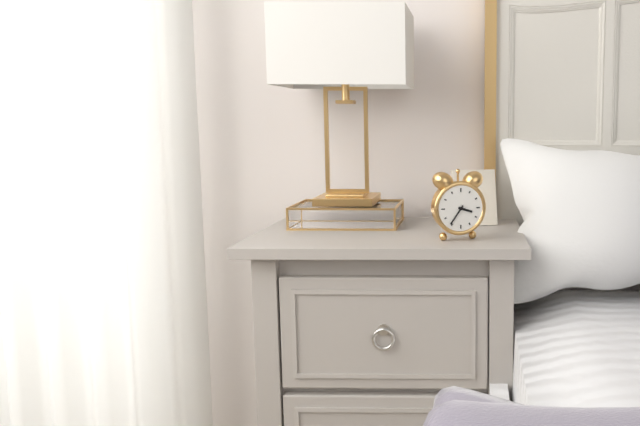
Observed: h=3 m=36
